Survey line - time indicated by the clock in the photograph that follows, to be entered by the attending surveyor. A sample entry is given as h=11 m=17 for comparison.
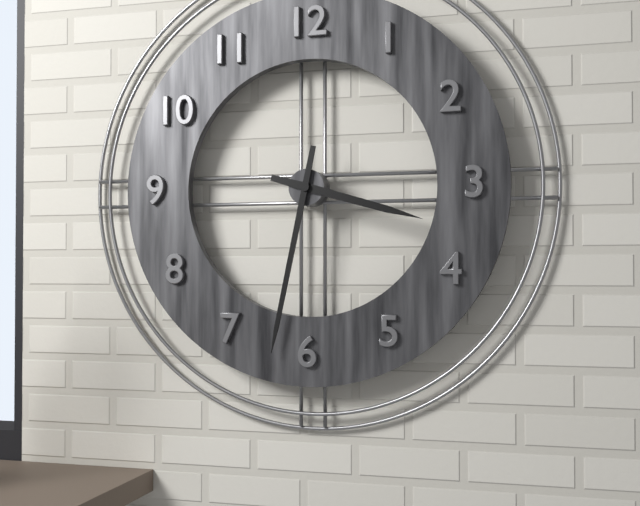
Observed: h=3 m=32
